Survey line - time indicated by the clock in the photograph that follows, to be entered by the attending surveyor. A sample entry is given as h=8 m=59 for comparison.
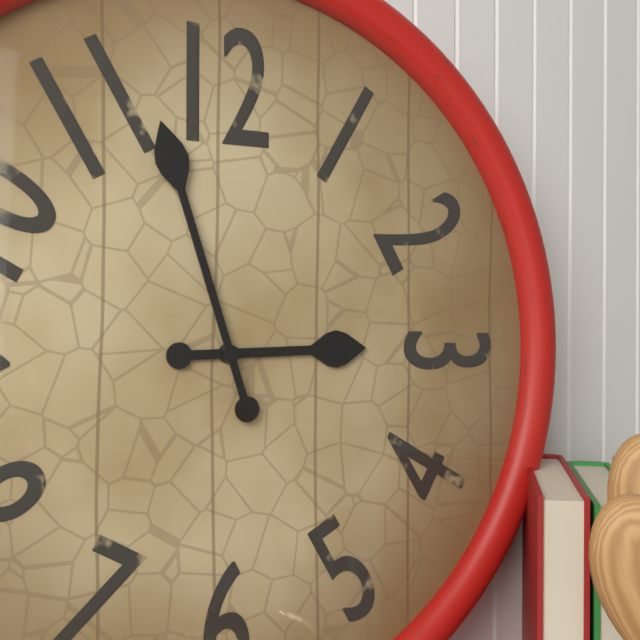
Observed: h=2 m=57
